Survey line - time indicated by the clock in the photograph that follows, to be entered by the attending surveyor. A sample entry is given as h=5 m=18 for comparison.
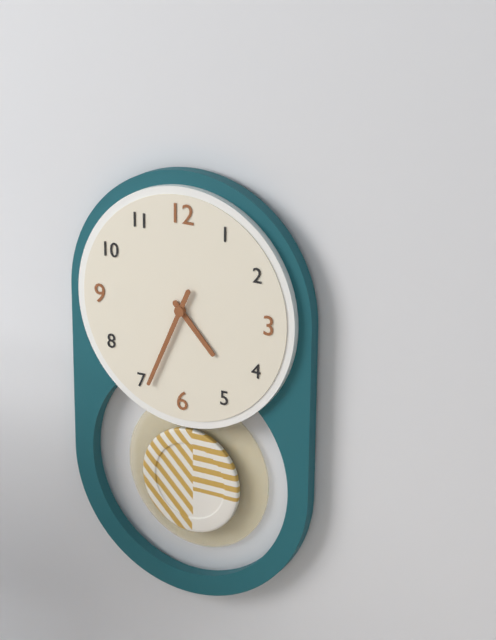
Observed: h=4 m=34
